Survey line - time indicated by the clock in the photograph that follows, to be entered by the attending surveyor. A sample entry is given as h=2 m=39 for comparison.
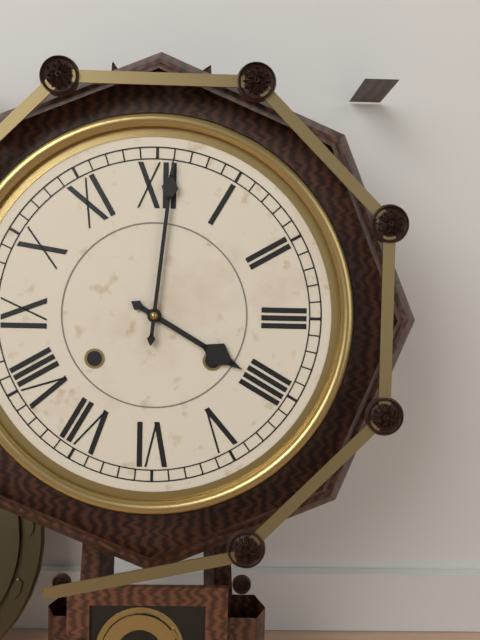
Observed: h=4 m=1
